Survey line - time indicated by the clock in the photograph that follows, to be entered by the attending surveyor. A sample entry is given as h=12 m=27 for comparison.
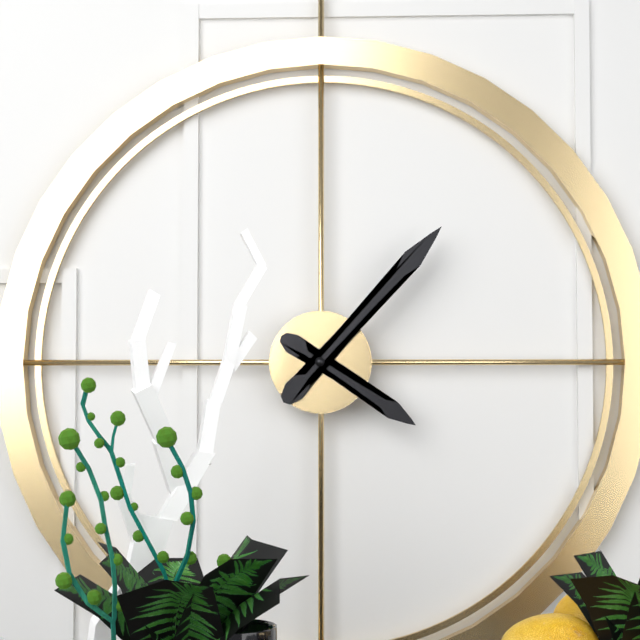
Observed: h=4 m=7
